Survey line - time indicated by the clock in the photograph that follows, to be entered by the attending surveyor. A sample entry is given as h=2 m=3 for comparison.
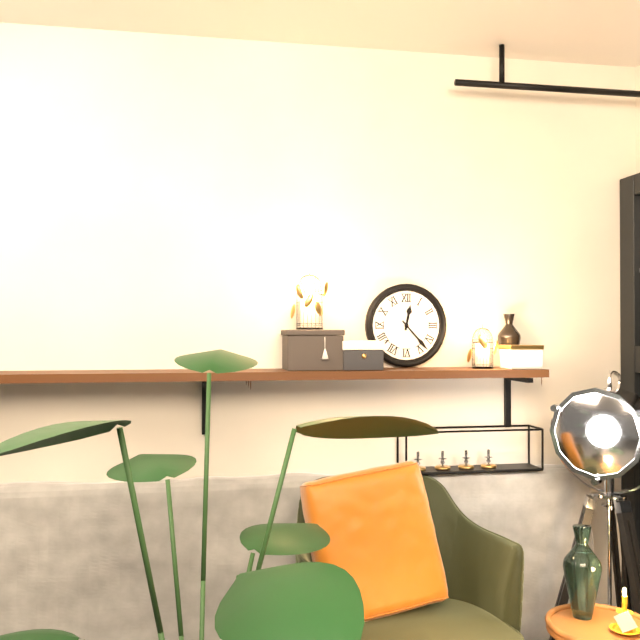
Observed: h=12 m=23
